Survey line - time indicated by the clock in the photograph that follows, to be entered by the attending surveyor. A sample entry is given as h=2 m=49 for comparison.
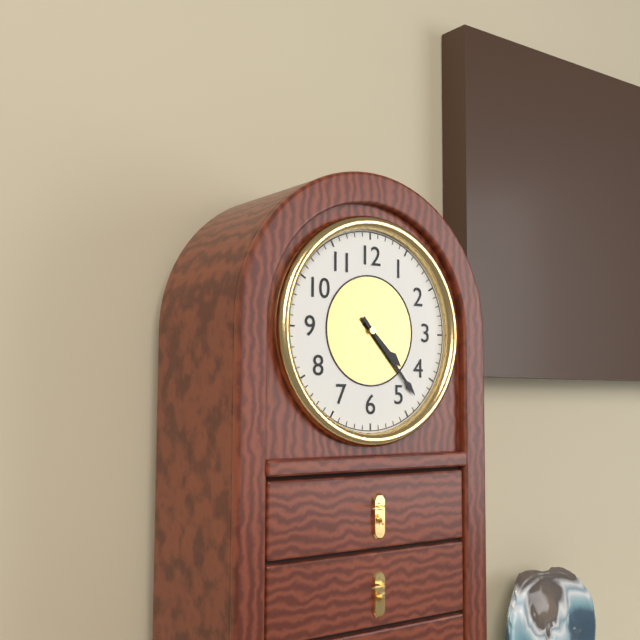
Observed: h=4 m=23
